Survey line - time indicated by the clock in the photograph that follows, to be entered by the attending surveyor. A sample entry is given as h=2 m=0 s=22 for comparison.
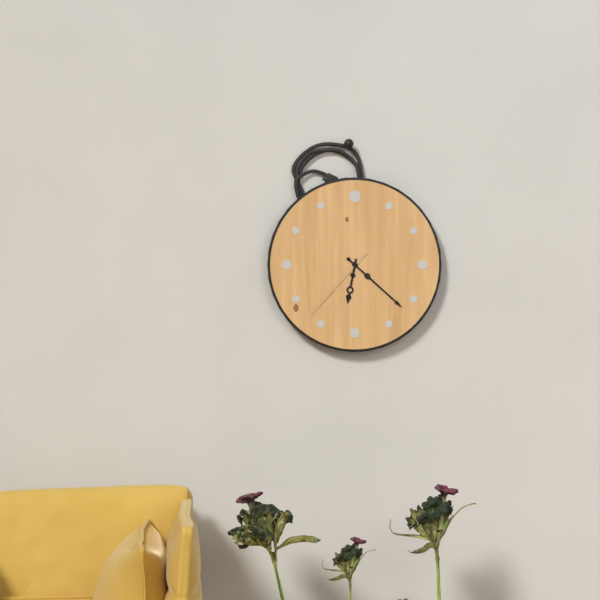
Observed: h=6 m=22 s=37
